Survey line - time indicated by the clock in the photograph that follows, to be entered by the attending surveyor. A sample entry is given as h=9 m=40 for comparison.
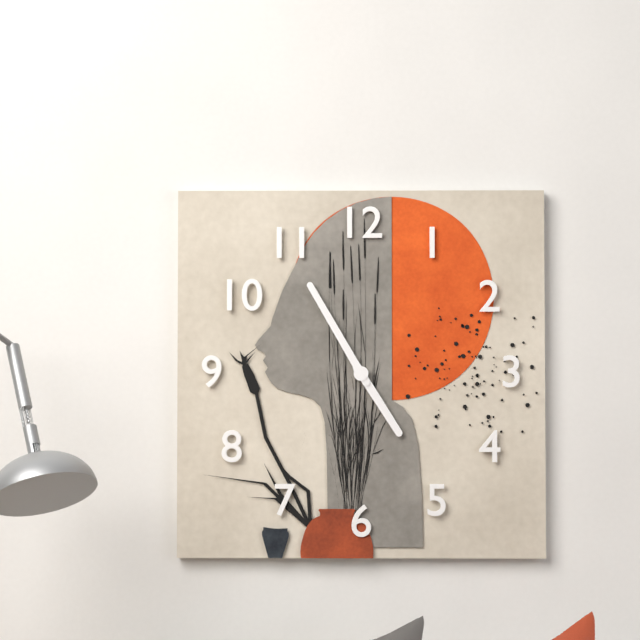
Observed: h=4 m=55
